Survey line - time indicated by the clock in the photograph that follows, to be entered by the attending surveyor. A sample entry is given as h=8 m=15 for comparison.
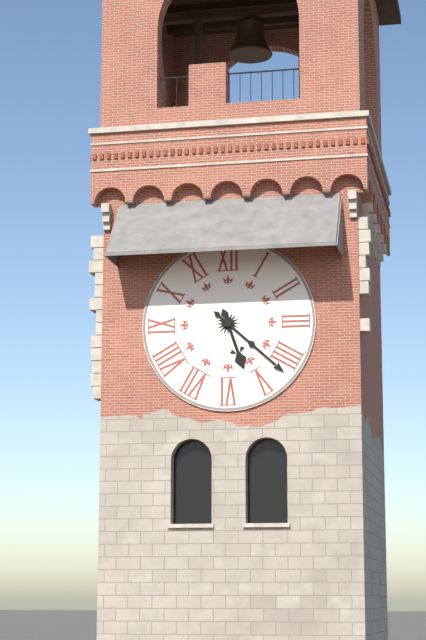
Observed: h=5 m=22
